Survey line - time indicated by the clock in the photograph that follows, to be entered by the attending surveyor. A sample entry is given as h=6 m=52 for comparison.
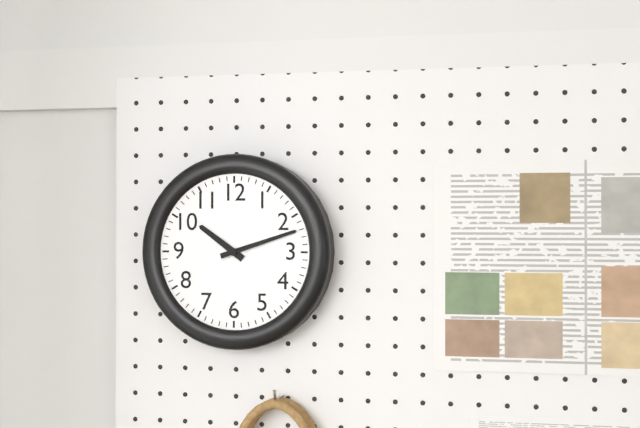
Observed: h=10 m=12
